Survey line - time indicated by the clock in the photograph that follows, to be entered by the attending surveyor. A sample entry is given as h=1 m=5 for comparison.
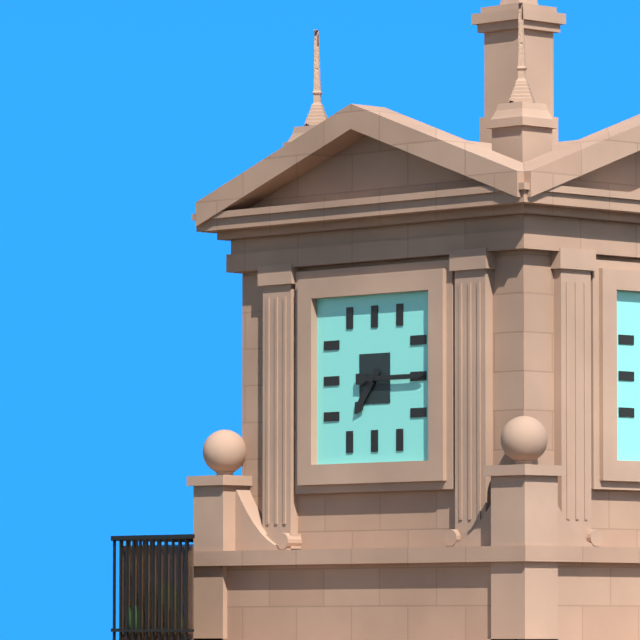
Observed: h=7 m=15
